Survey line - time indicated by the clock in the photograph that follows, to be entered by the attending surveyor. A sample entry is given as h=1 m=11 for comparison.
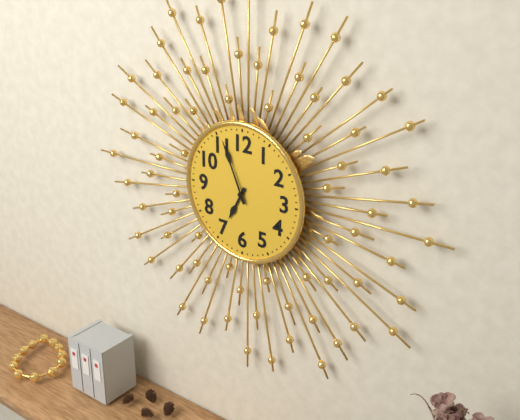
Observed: h=6 m=56
